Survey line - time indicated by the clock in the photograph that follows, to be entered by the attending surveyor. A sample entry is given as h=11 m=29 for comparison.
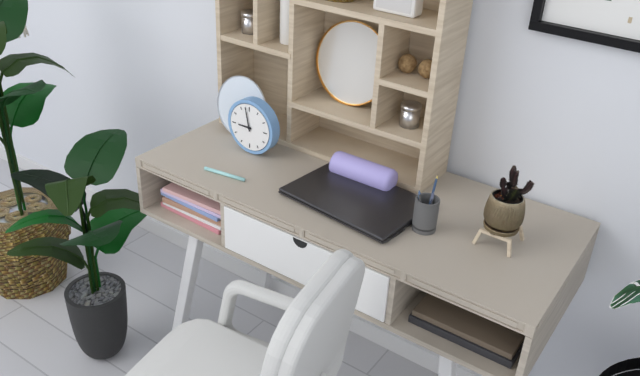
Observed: h=8 m=58
